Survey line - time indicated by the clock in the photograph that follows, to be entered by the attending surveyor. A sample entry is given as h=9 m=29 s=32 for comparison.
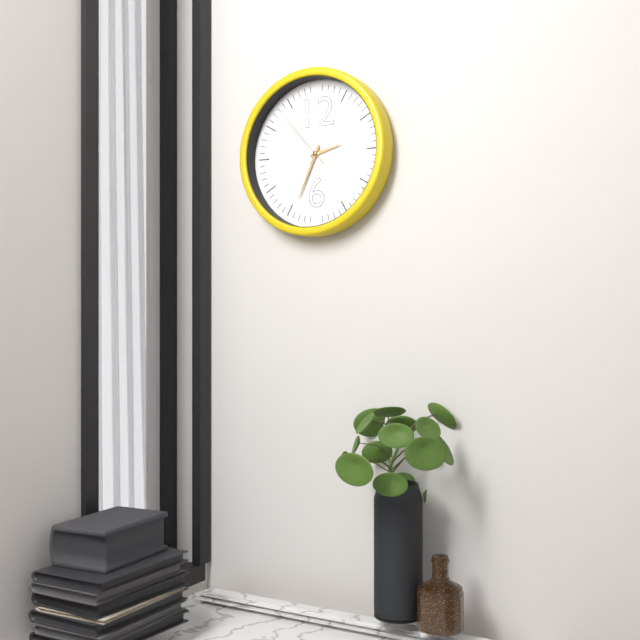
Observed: h=2 m=34 s=53
